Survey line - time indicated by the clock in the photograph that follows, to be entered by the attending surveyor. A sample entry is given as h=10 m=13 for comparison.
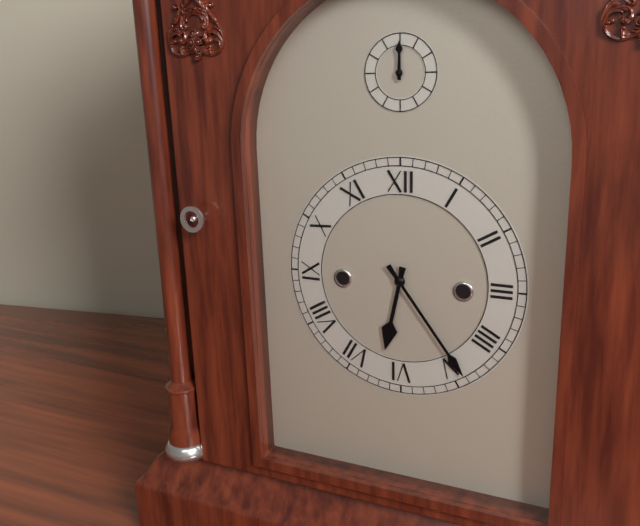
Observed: h=6 m=24
